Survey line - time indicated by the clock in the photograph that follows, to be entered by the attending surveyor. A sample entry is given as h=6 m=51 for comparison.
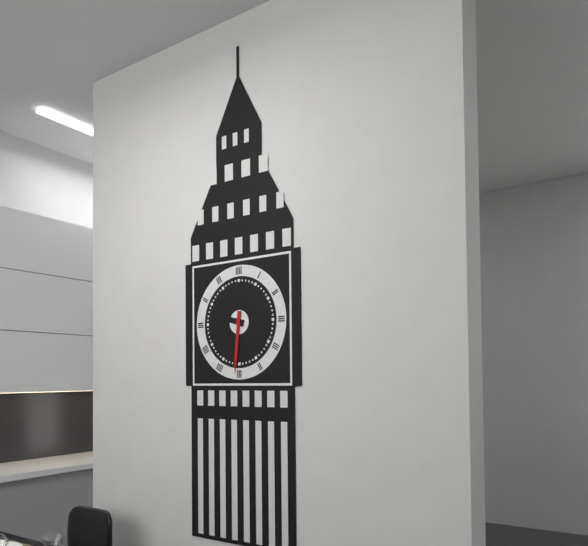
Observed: h=9 m=31
